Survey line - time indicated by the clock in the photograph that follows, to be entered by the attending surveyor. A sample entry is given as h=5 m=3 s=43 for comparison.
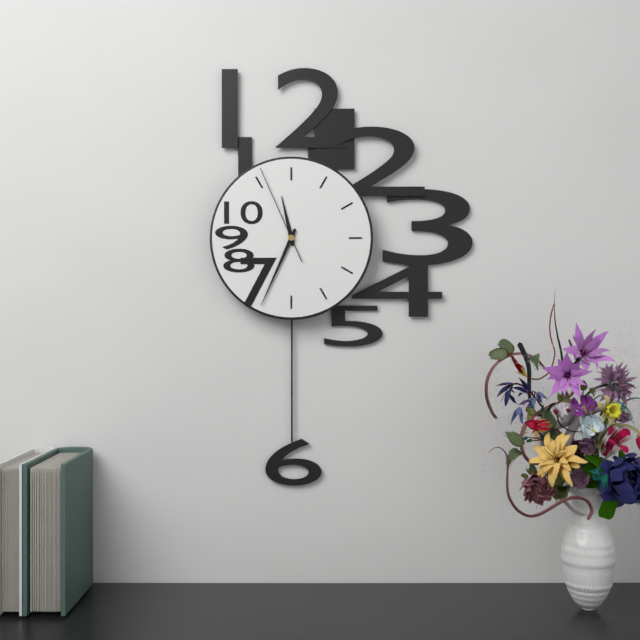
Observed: h=11 m=34 s=56
